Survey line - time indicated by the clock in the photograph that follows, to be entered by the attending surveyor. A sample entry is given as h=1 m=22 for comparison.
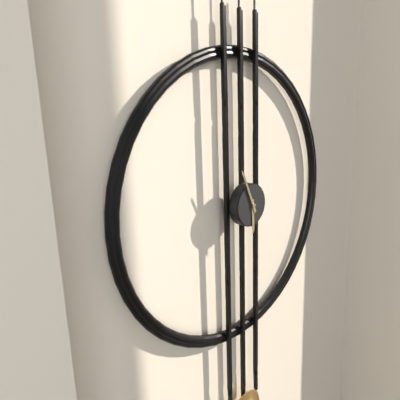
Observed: h=5 m=56
